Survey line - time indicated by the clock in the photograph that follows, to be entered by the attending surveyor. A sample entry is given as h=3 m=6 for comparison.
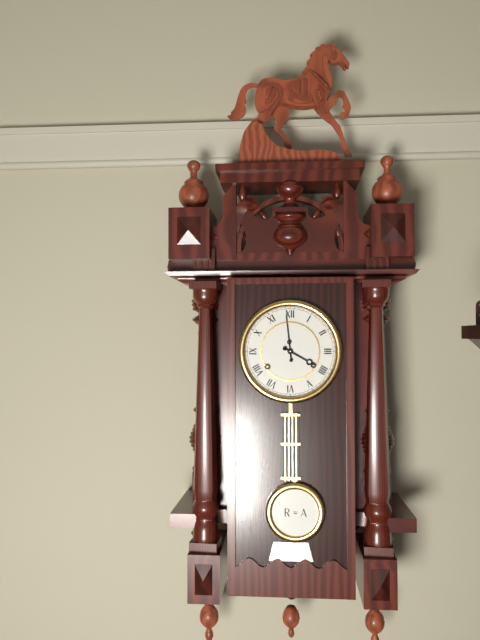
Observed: h=3 m=59
